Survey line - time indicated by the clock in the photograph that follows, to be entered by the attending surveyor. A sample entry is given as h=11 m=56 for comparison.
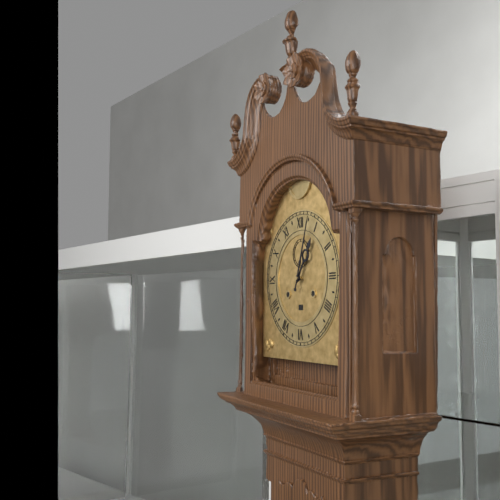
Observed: h=1 m=3
